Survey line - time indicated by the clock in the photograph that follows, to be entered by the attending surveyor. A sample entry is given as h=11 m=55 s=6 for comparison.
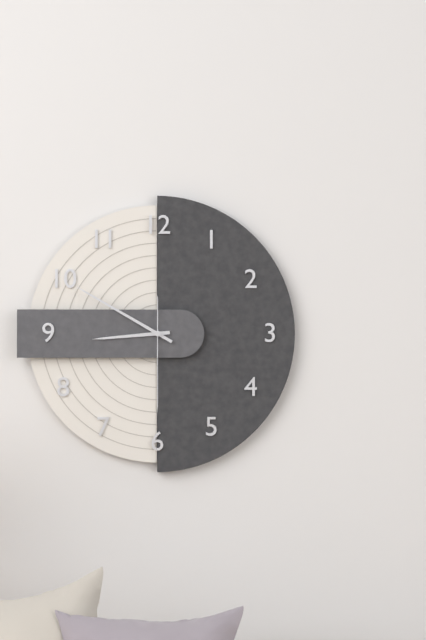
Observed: h=8 m=50 s=30
